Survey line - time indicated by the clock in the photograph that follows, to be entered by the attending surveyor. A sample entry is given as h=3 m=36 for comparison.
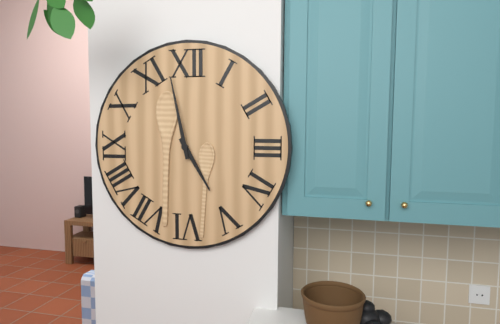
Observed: h=4 m=58
